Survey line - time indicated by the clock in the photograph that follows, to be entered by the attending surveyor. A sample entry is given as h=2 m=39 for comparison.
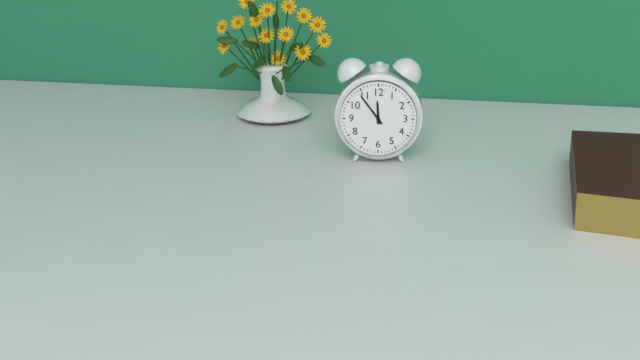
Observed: h=11 m=54
